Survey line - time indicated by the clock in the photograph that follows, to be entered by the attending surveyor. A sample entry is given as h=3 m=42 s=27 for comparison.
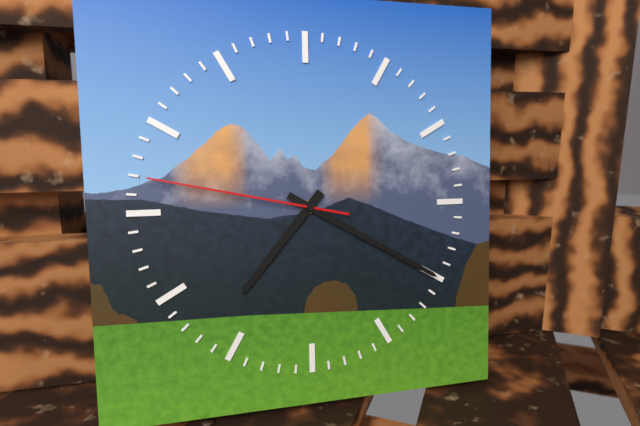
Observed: h=7 m=20 s=47
